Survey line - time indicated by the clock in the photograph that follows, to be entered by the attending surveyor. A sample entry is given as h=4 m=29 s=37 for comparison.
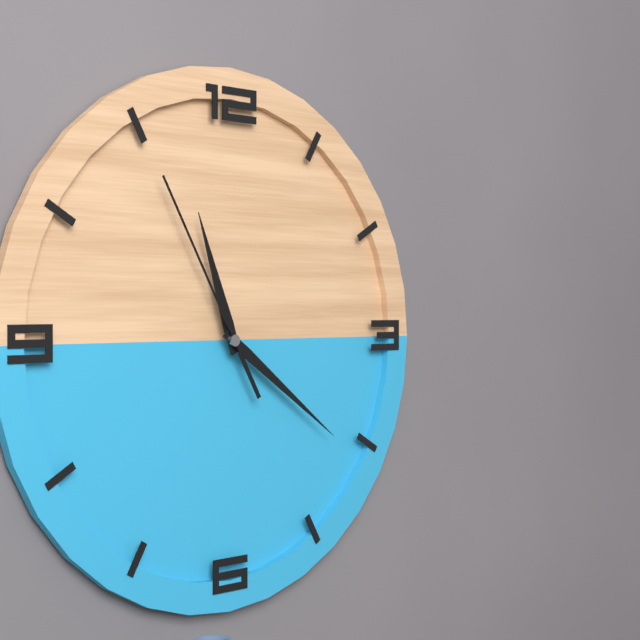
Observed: h=11 m=21 s=55
